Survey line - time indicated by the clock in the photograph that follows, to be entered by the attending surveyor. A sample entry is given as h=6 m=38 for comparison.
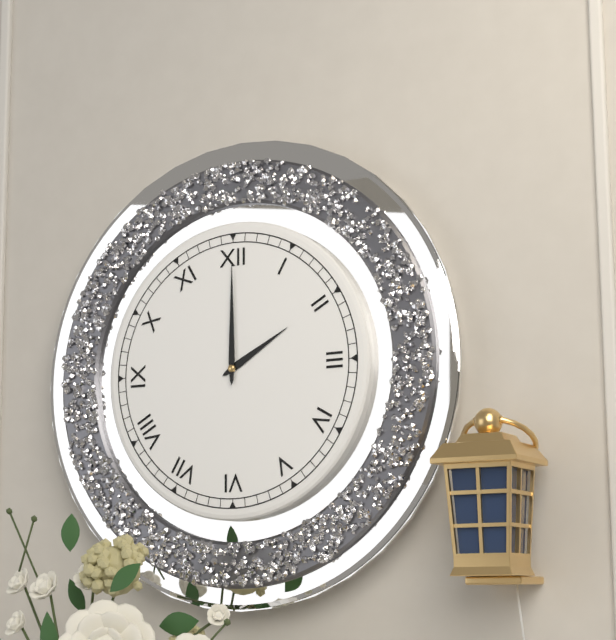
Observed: h=2 m=0
